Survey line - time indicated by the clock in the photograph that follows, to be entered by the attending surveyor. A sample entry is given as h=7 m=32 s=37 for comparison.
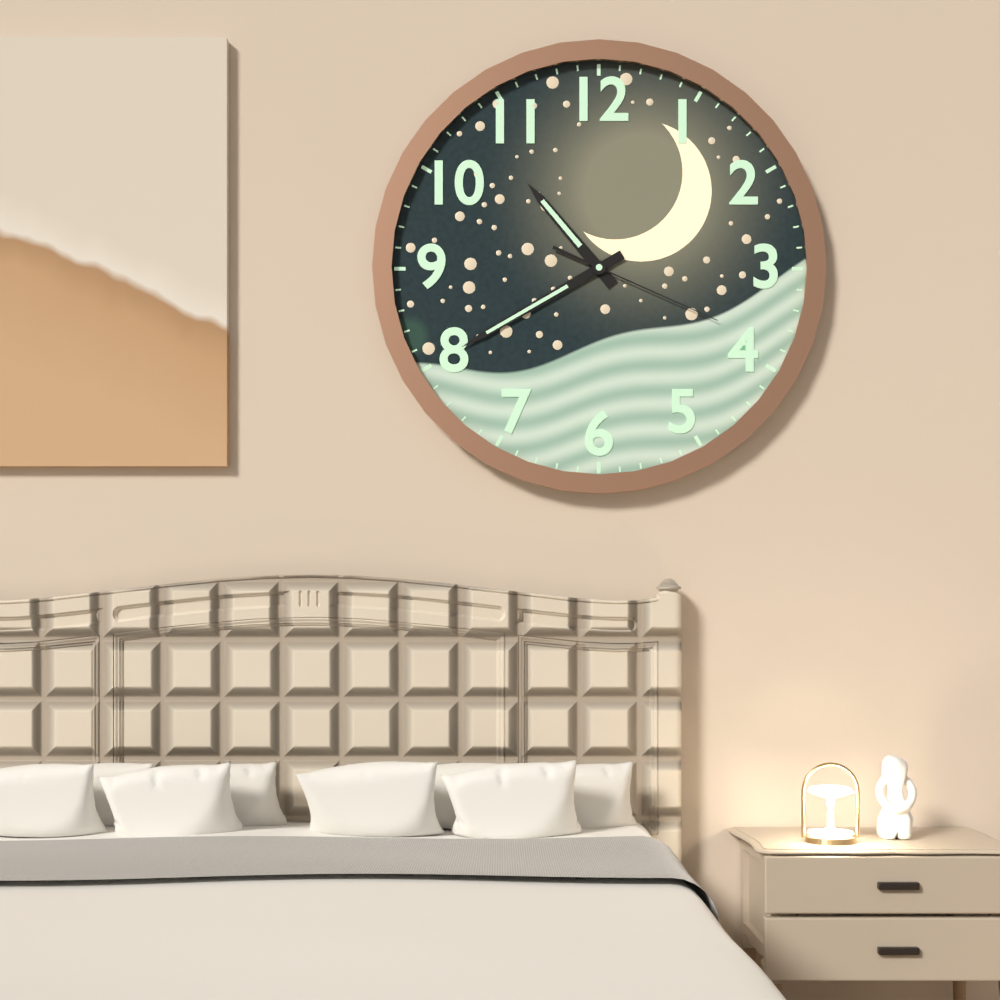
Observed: h=10 m=40 s=19
